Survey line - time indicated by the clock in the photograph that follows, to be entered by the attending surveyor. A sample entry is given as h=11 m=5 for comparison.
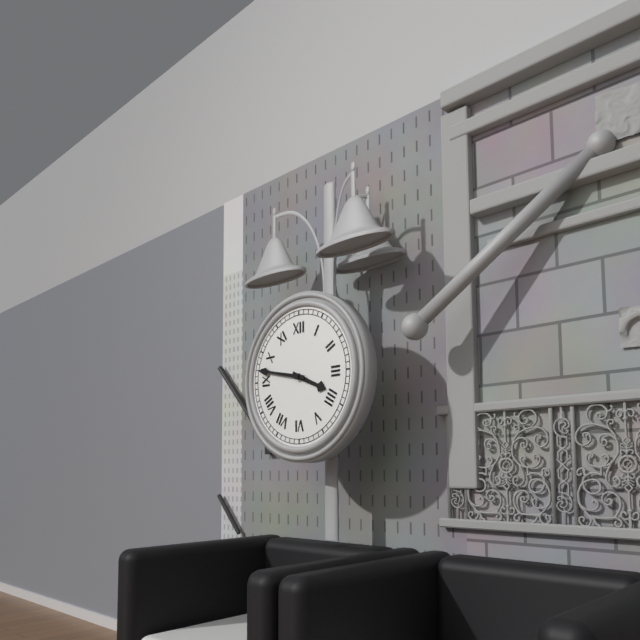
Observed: h=3 m=47
